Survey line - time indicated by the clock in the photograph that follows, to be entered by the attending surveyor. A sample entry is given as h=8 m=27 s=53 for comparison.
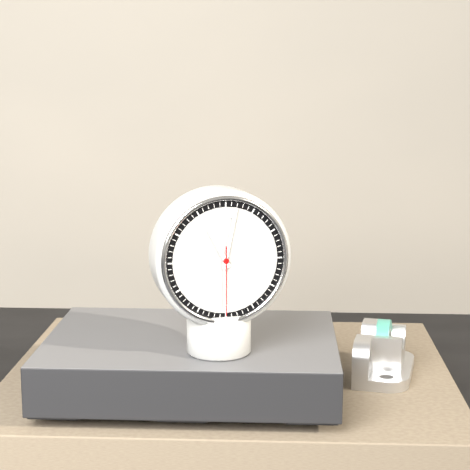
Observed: h=11 m=2 s=30
